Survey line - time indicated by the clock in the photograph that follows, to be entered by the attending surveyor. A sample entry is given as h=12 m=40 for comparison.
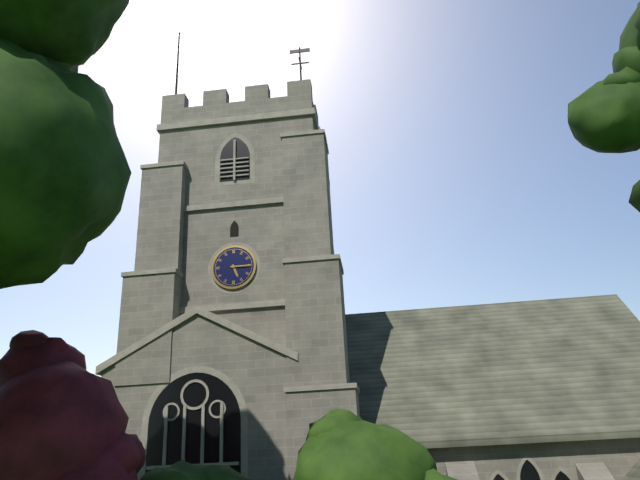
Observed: h=5 m=15
